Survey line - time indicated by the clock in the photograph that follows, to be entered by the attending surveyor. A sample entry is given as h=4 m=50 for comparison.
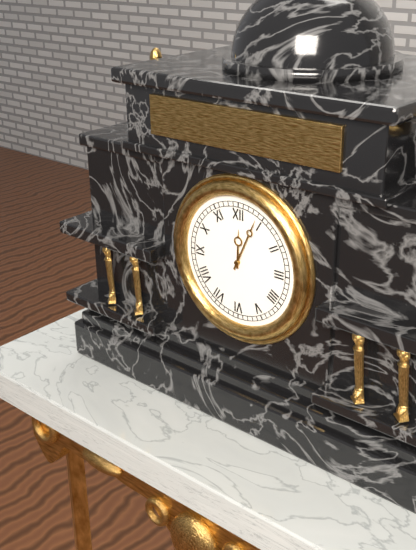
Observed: h=12 m=4
